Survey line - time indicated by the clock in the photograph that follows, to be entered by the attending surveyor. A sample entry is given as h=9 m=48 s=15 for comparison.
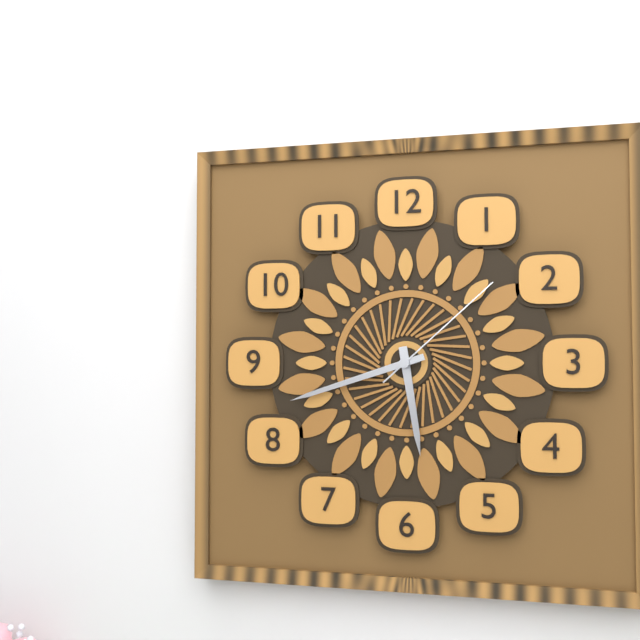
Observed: h=5 m=42 s=8
